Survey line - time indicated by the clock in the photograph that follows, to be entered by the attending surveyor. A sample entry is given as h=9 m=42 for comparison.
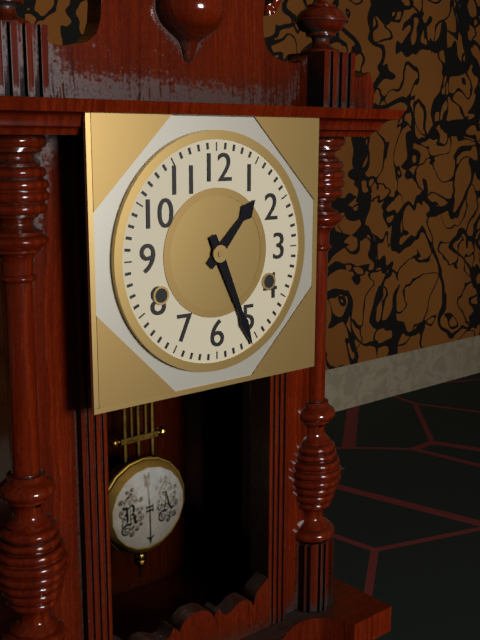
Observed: h=1 m=26
